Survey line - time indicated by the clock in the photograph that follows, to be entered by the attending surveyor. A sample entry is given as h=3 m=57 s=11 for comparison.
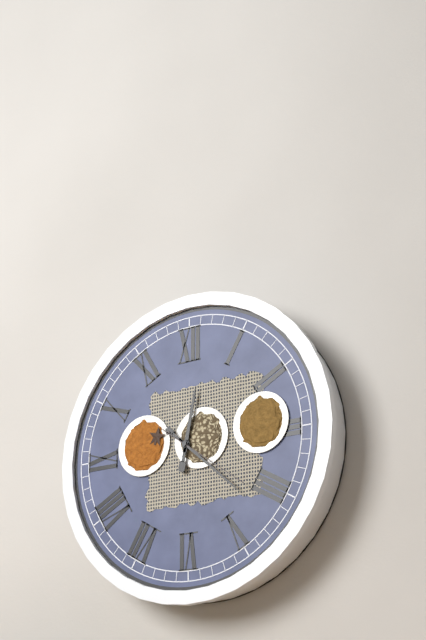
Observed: h=12 m=22 s=21
